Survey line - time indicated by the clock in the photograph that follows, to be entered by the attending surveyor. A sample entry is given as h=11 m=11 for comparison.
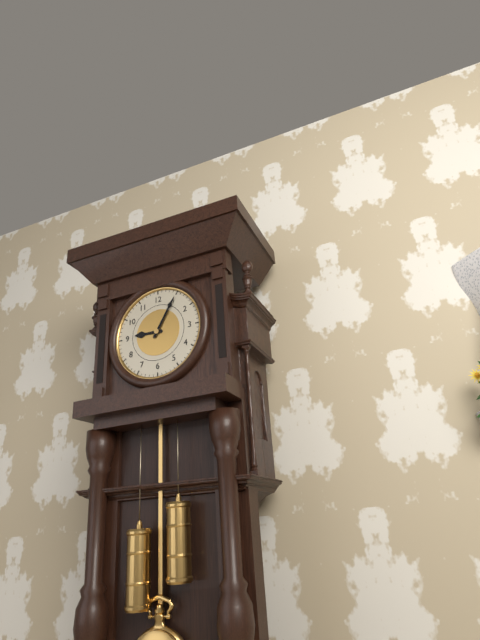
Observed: h=9 m=5
